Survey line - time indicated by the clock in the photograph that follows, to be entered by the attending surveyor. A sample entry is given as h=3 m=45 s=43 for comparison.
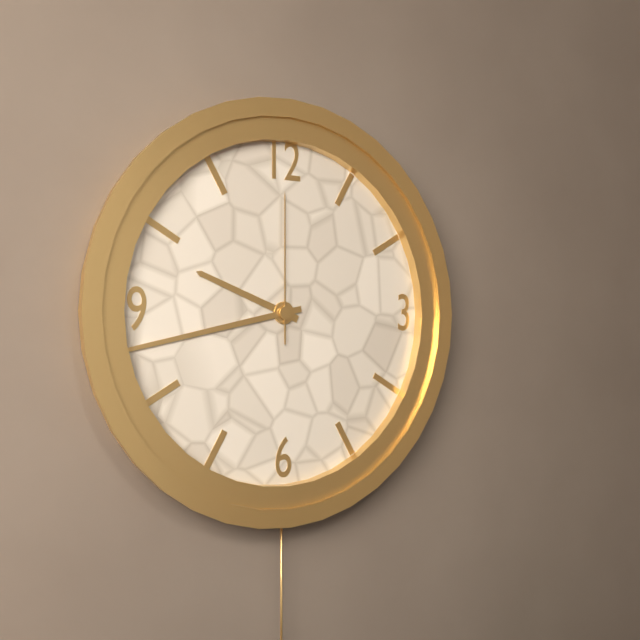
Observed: h=9 m=43 s=0
